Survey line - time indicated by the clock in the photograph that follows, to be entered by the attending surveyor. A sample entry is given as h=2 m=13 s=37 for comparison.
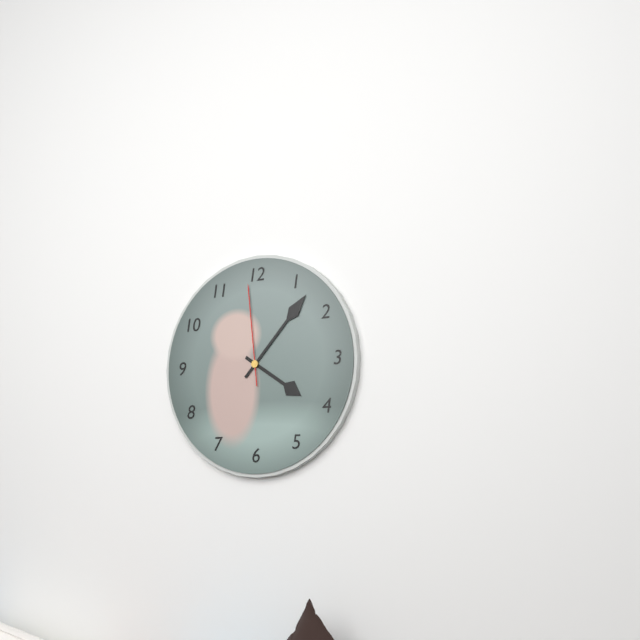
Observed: h=4 m=7 s=59
